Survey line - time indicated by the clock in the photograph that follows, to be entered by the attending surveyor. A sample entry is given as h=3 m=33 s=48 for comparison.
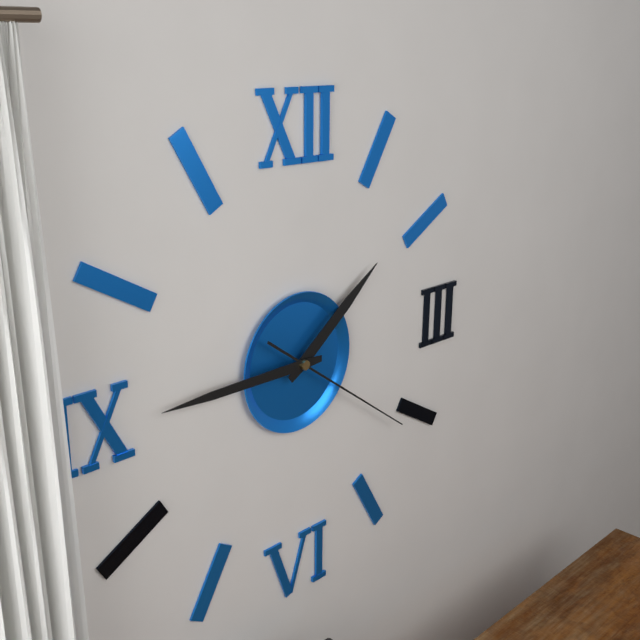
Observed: h=1 m=45 s=21
